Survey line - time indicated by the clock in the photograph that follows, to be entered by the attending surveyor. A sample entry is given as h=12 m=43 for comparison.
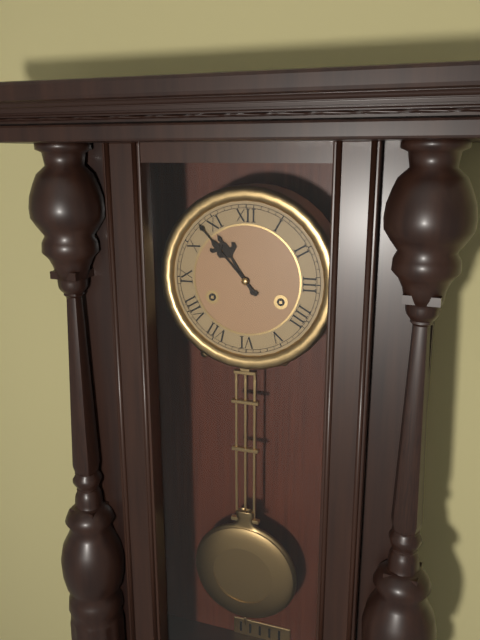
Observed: h=10 m=53
